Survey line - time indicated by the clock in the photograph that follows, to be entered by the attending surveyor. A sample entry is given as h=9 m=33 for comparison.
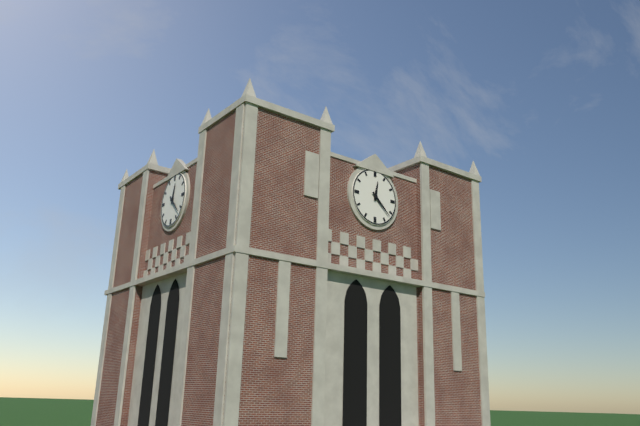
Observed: h=12 m=22
